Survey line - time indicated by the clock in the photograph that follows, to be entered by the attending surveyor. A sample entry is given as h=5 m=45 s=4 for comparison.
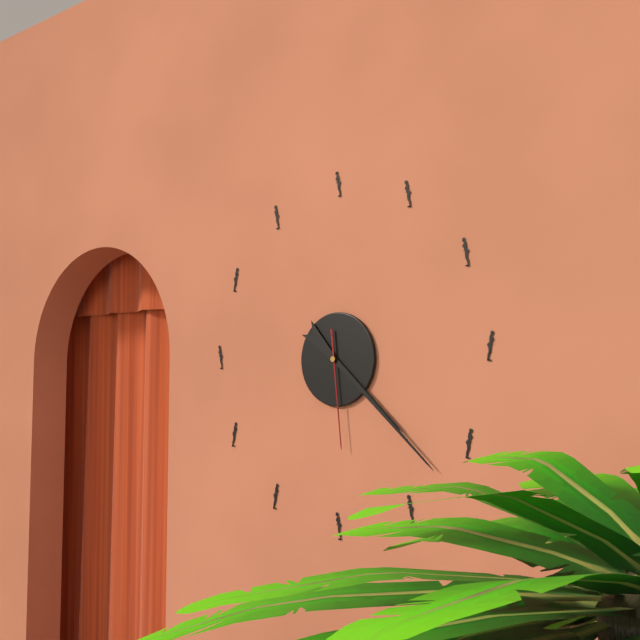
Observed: h=4 m=22 s=29
